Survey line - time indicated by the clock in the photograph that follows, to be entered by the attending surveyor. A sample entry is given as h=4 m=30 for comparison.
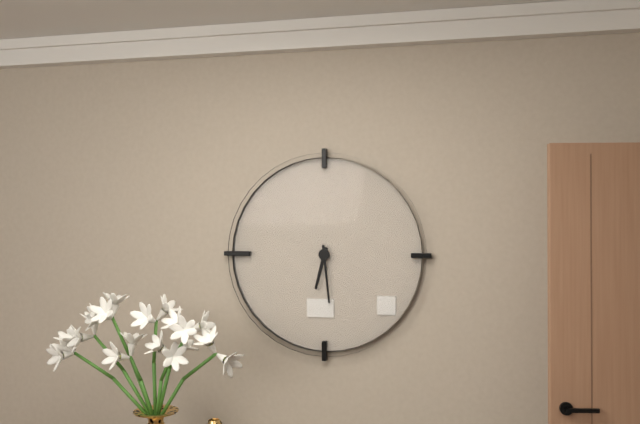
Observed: h=6 m=29
